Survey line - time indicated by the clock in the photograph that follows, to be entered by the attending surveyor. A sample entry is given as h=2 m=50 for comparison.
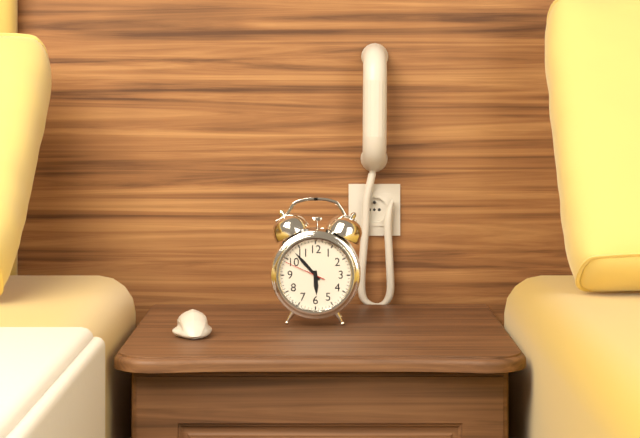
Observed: h=5 m=53
